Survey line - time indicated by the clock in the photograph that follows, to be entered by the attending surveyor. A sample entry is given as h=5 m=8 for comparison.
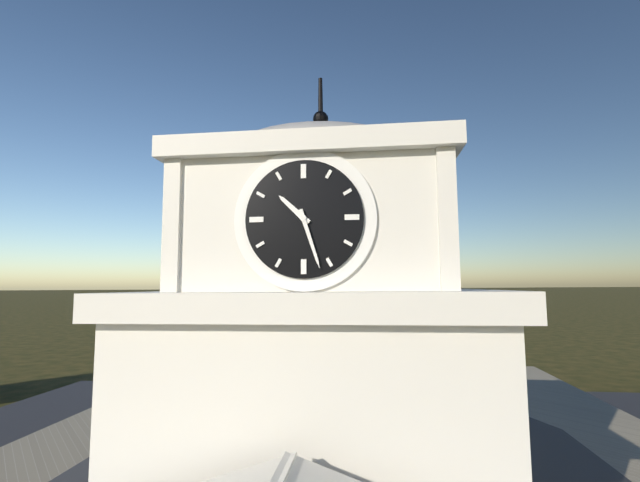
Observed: h=10 m=27
